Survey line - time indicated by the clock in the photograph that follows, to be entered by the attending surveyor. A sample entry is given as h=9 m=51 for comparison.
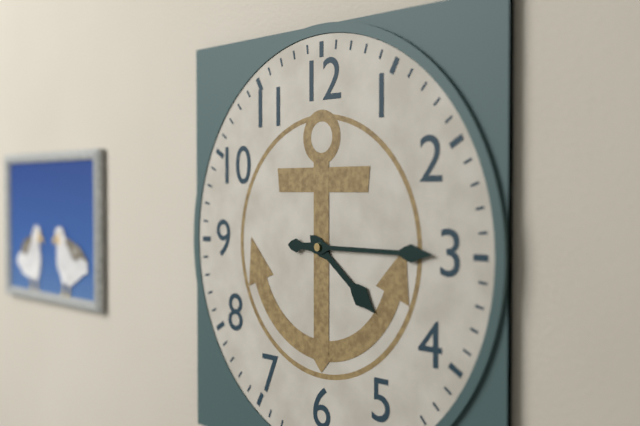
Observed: h=4 m=15
